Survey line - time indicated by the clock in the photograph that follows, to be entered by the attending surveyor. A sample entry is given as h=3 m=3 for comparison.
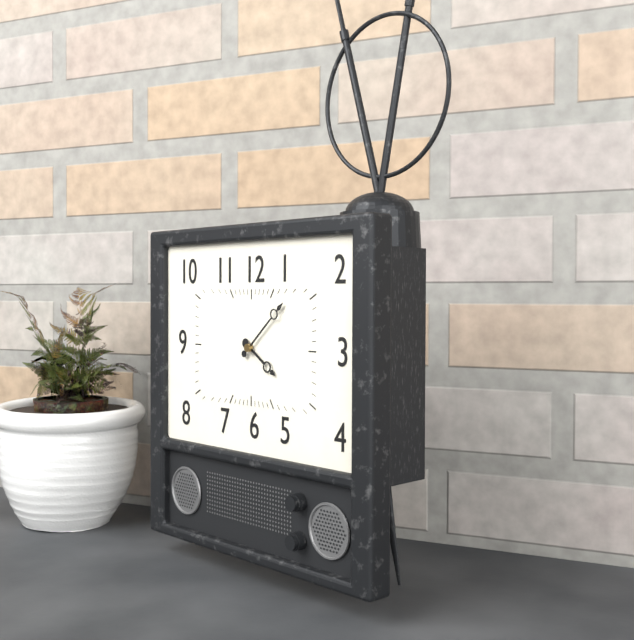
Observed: h=4 m=8
